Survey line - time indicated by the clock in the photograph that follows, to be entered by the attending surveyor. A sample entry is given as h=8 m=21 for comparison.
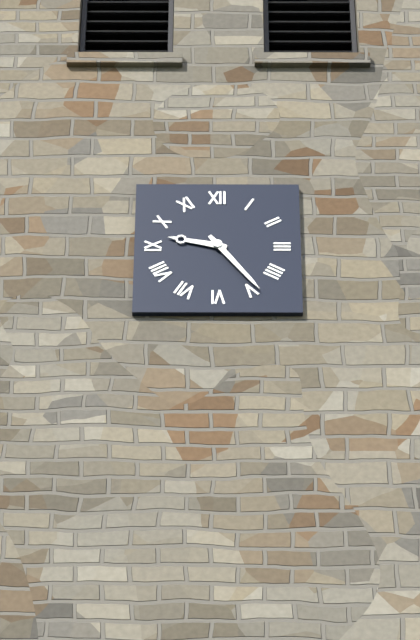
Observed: h=9 m=24
